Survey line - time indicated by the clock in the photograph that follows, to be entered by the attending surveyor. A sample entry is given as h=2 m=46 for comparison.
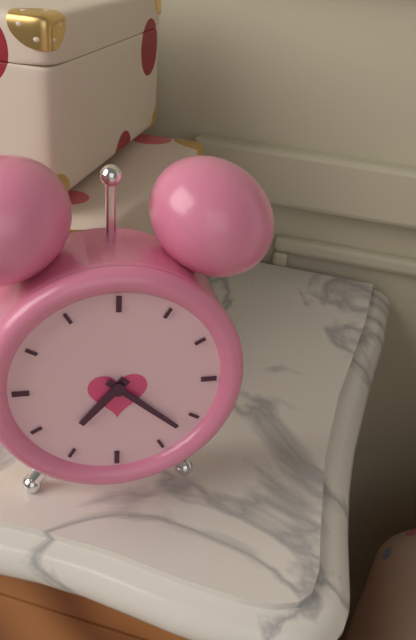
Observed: h=7 m=22
